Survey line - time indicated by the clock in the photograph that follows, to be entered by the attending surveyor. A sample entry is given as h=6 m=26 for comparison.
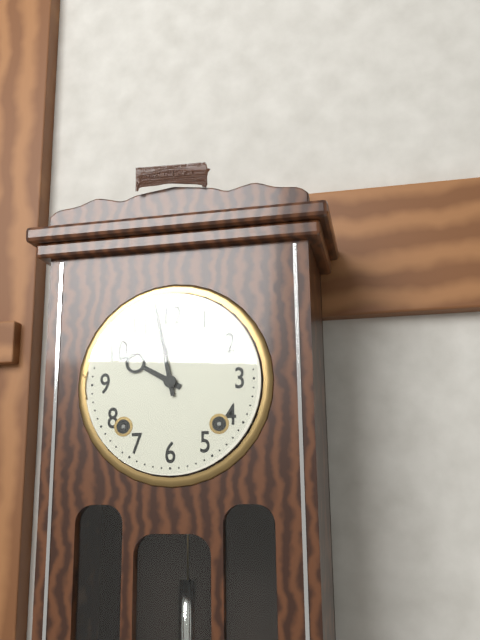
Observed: h=9 m=58
